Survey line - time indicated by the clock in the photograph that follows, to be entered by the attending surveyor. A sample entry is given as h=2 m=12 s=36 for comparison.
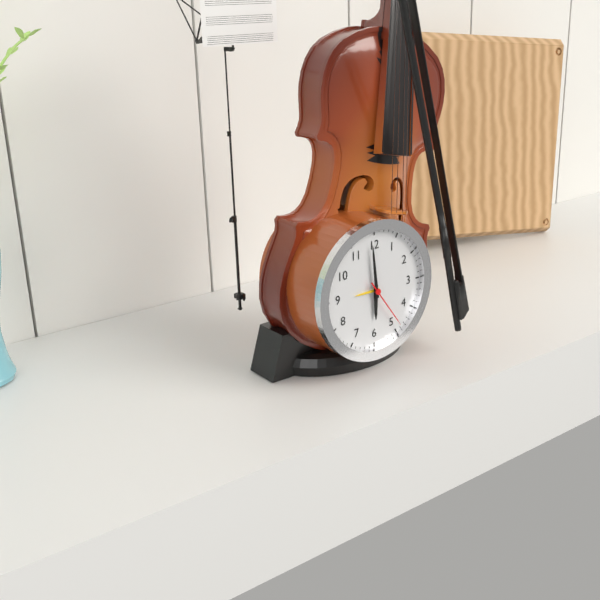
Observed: h=5 m=59 s=24
